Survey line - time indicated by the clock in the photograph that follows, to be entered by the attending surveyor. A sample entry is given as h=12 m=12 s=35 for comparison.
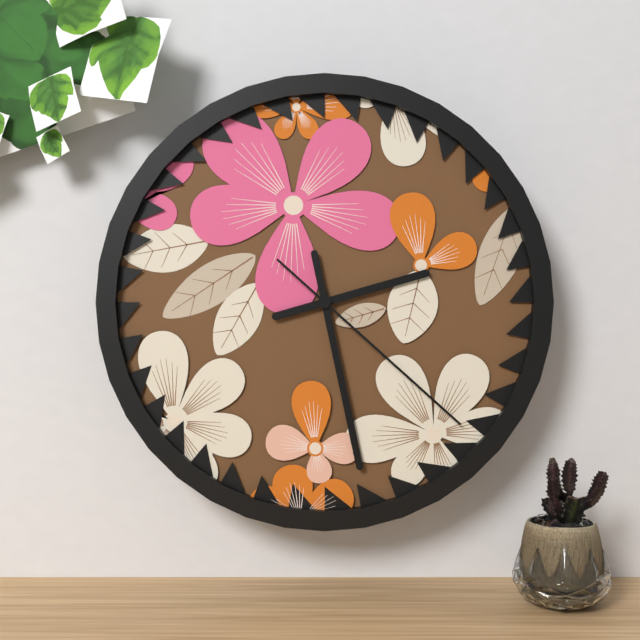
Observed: h=2 m=28 s=22
